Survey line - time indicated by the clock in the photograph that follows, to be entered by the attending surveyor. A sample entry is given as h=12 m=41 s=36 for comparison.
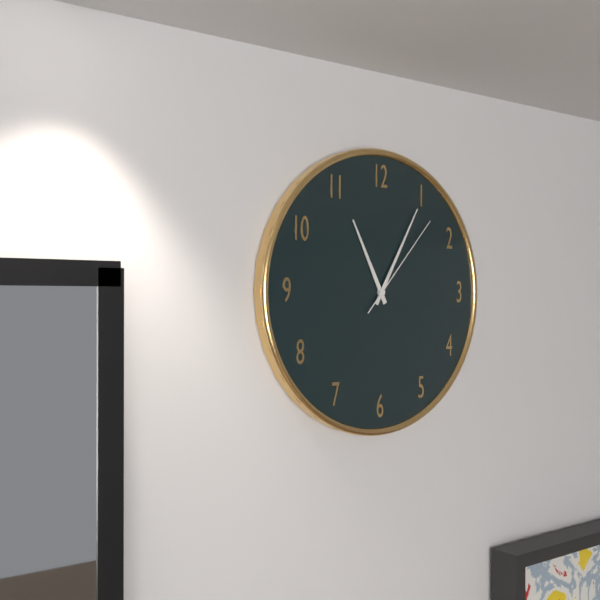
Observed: h=11 m=5 s=7
